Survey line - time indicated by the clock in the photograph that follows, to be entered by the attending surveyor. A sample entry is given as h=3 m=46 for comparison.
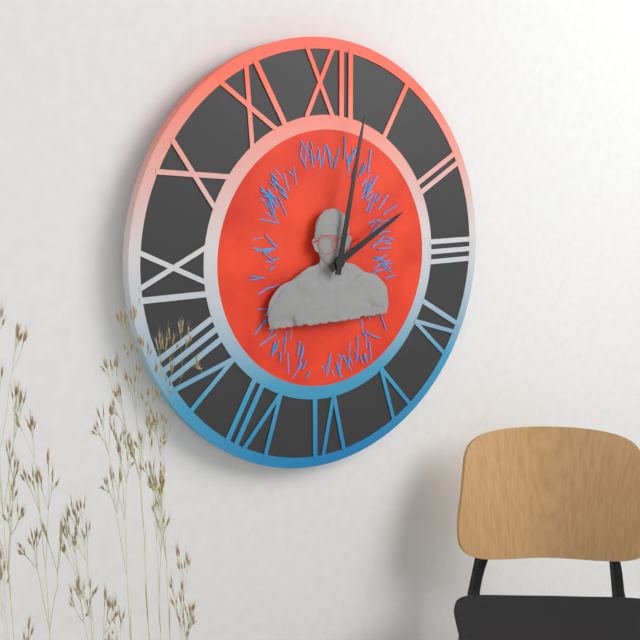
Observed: h=2 m=2
